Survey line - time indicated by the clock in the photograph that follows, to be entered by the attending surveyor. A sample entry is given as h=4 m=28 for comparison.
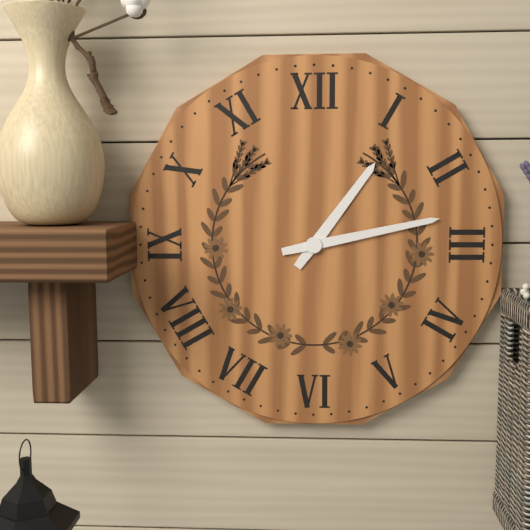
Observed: h=1 m=13
